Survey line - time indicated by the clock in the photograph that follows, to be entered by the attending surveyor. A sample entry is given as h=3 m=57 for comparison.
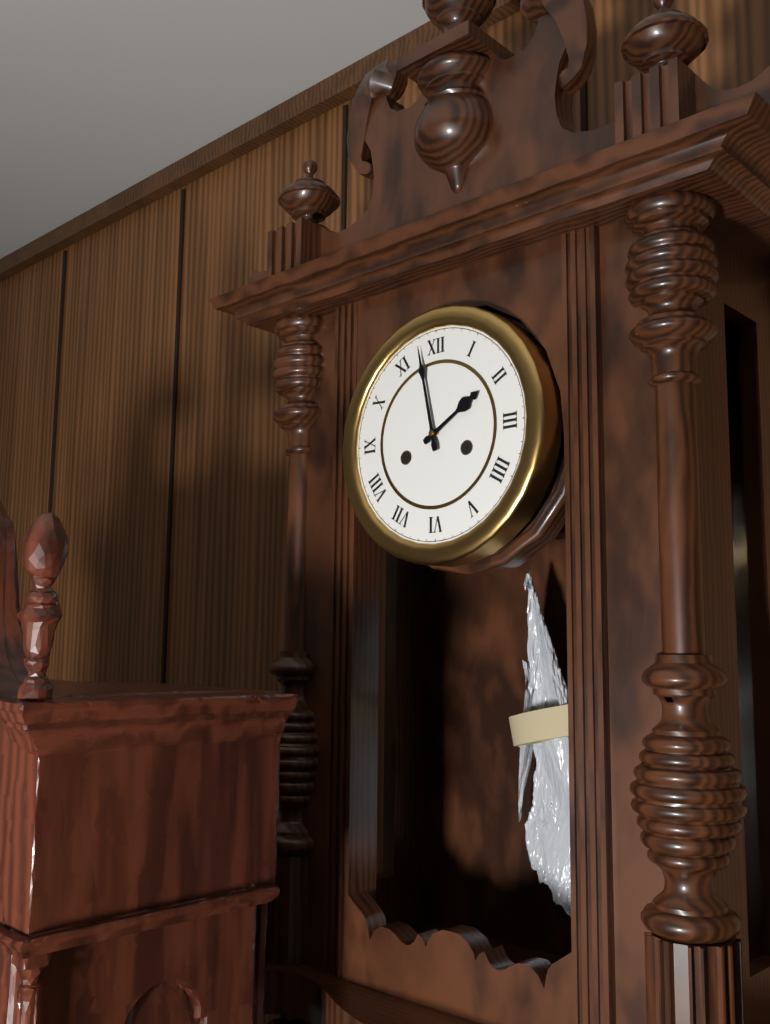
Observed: h=1 m=58
